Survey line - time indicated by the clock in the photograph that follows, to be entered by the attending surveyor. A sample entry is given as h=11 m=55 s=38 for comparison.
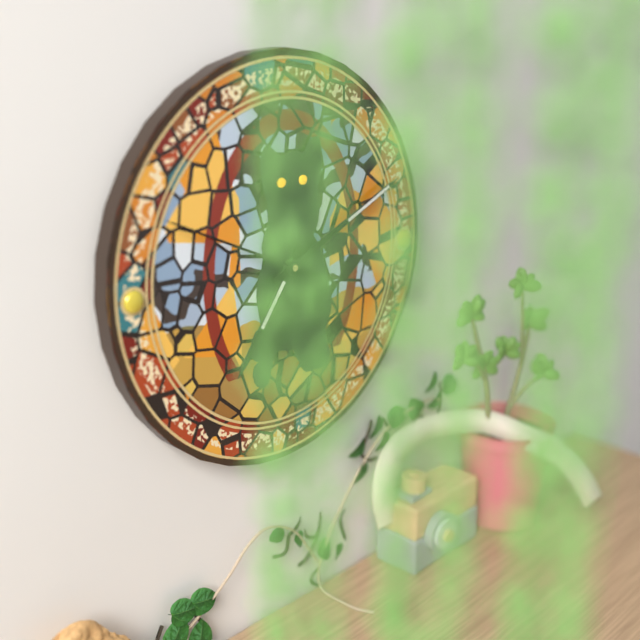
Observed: h=7 m=11 s=49
